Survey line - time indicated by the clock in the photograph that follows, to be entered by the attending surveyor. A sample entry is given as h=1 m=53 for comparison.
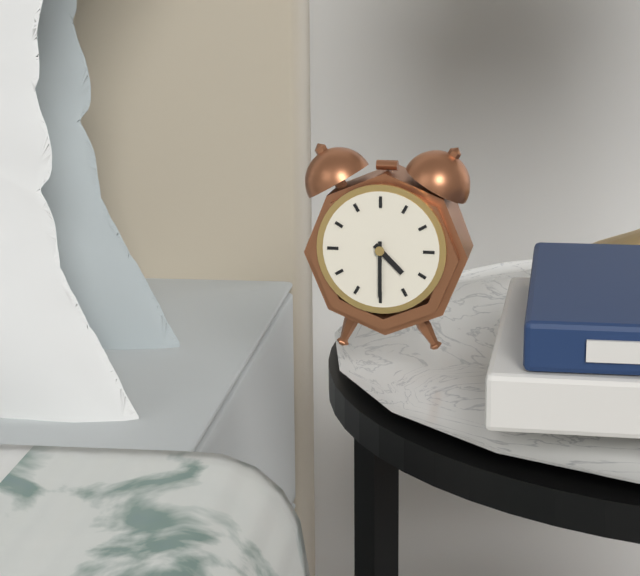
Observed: h=4 m=30
